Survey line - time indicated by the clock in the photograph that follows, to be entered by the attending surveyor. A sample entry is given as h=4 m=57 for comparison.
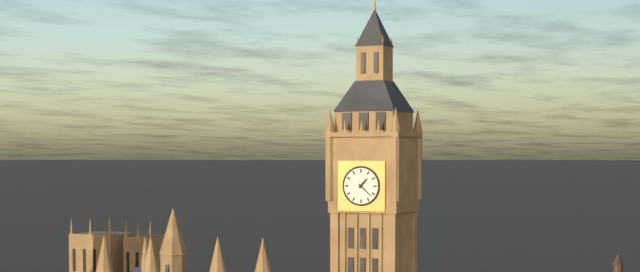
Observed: h=1 m=22
